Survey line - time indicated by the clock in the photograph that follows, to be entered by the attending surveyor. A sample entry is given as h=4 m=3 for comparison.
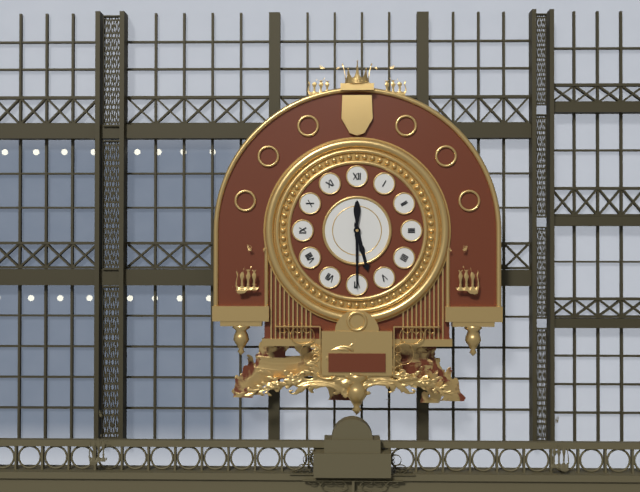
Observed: h=5 m=30
